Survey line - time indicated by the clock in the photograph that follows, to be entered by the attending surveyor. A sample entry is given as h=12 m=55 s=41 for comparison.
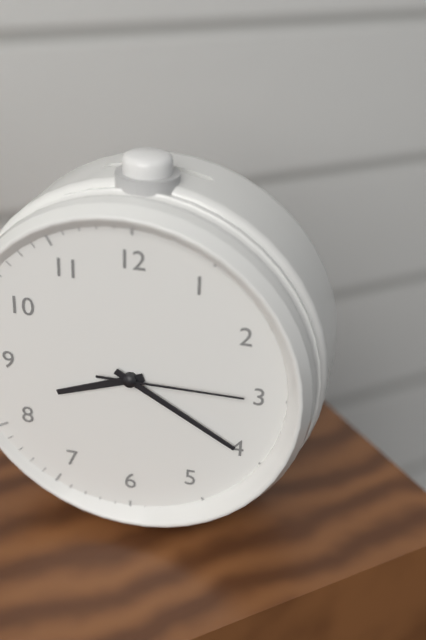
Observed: h=8 m=20 s=15
